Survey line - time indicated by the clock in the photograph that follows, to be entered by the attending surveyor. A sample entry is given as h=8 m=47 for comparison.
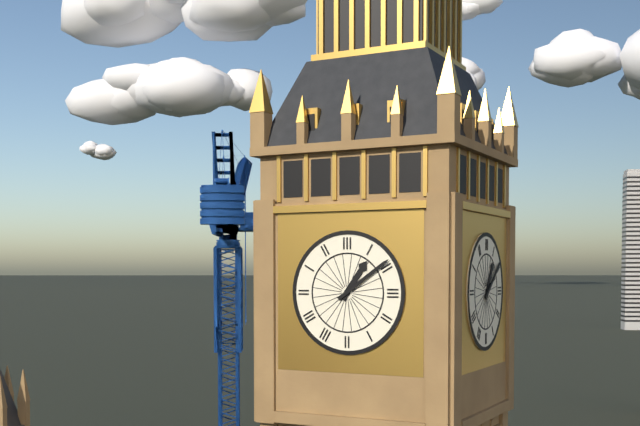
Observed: h=1 m=9
